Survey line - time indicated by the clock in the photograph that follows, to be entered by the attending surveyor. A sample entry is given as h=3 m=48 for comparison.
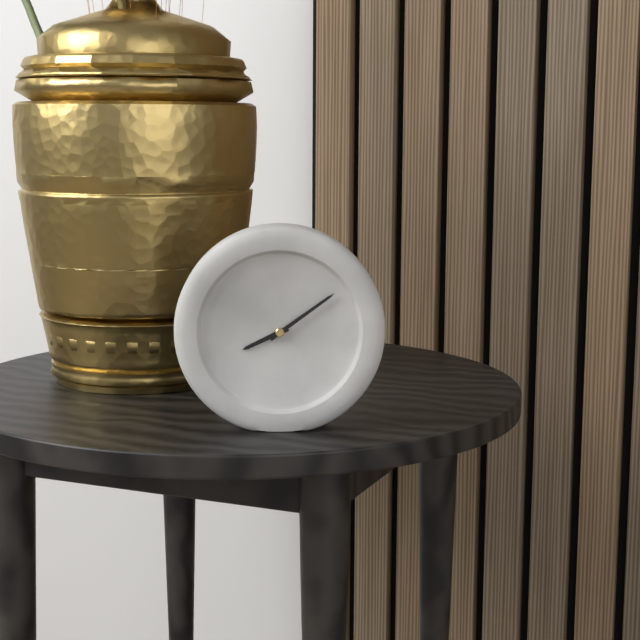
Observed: h=8 m=9
